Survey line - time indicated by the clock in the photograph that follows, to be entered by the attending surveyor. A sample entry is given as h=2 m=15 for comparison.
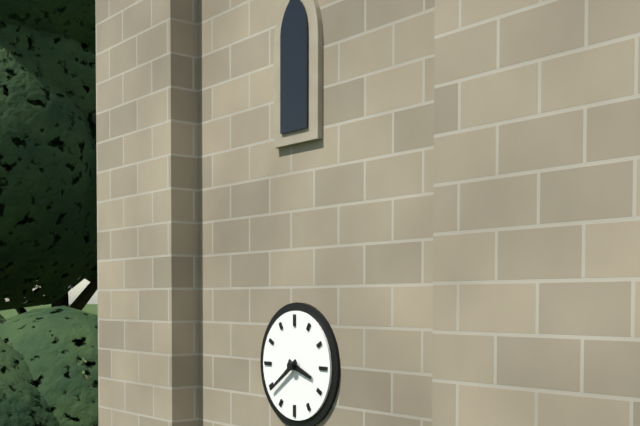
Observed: h=3 m=39
